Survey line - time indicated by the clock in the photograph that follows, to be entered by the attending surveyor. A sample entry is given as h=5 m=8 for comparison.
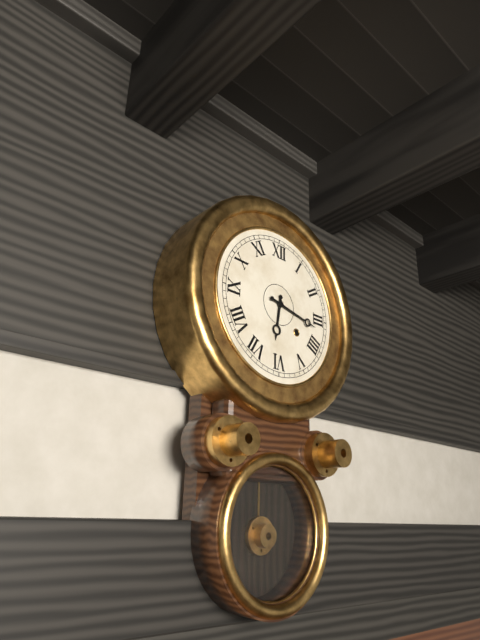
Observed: h=6 m=17
